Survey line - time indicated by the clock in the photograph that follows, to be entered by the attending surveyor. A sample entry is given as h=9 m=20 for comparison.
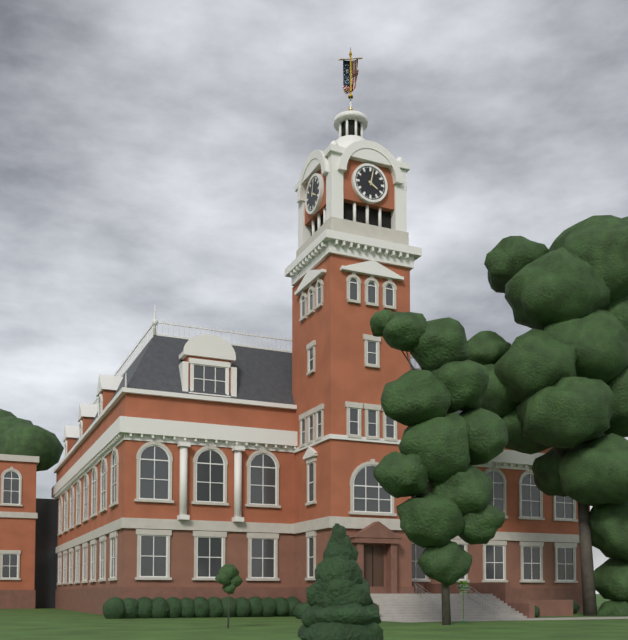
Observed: h=4 m=2
